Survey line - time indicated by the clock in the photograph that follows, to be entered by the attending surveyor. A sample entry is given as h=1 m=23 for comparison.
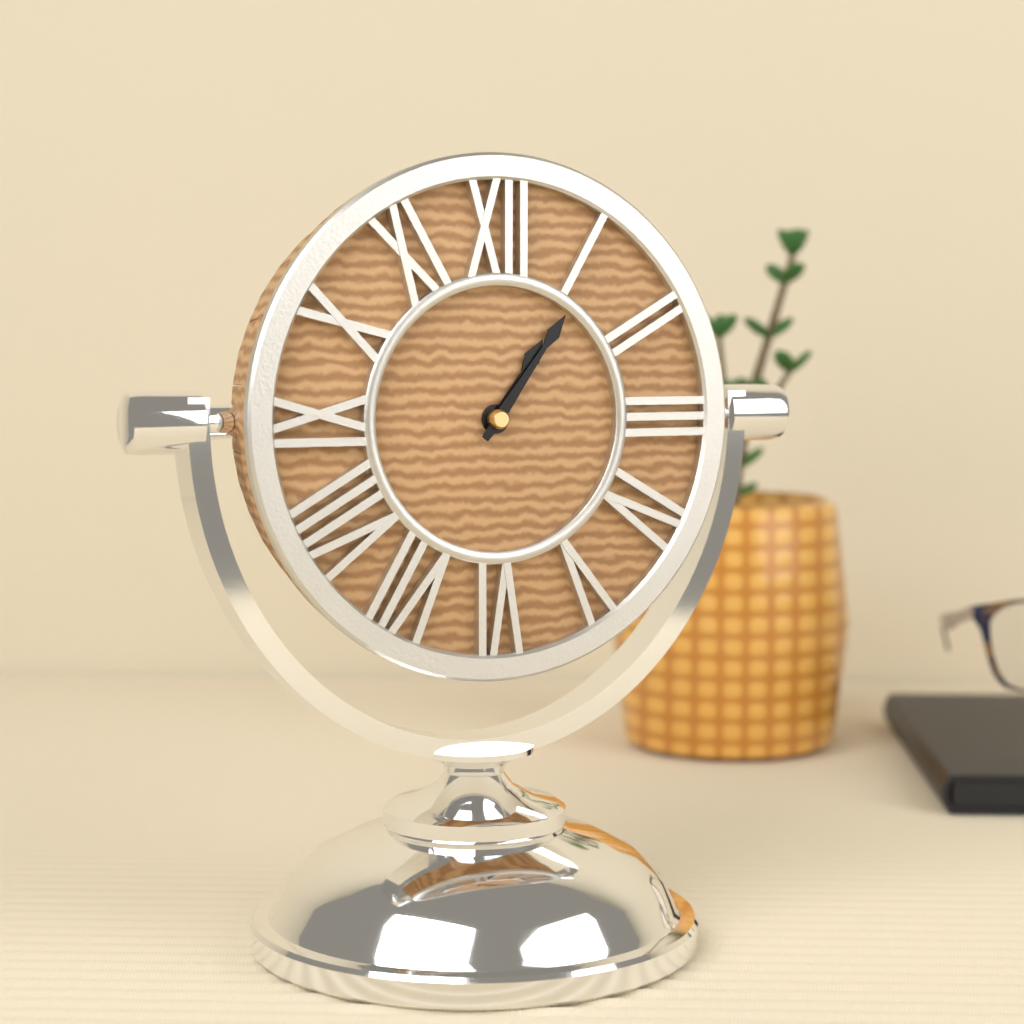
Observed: h=1 m=6
